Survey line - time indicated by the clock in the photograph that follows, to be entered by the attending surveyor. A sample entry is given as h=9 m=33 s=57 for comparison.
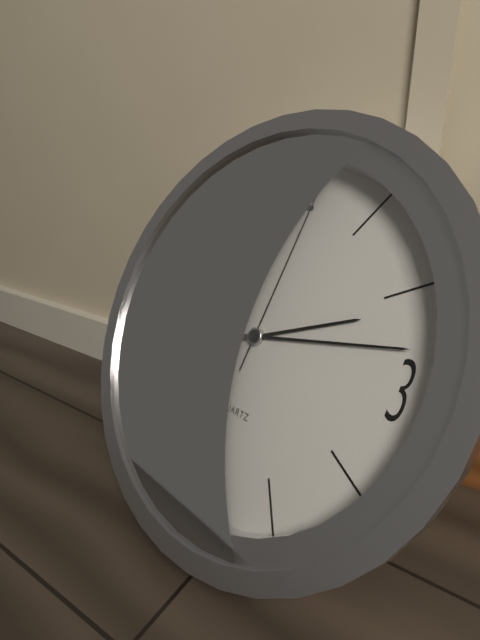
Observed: h=2 m=13 s=1
